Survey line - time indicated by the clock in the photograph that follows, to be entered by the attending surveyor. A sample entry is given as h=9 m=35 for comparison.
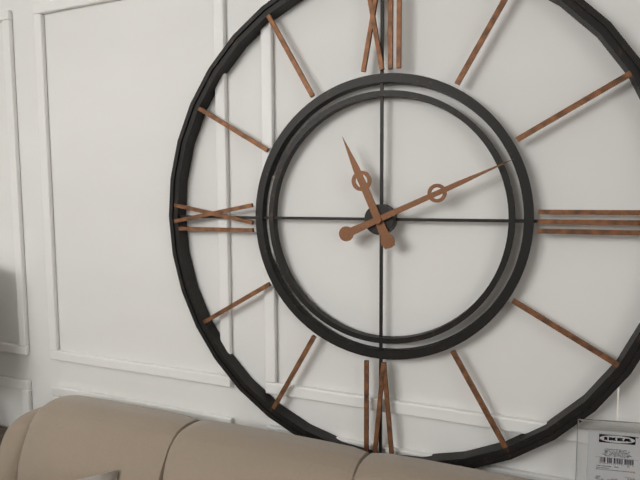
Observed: h=11 m=11
